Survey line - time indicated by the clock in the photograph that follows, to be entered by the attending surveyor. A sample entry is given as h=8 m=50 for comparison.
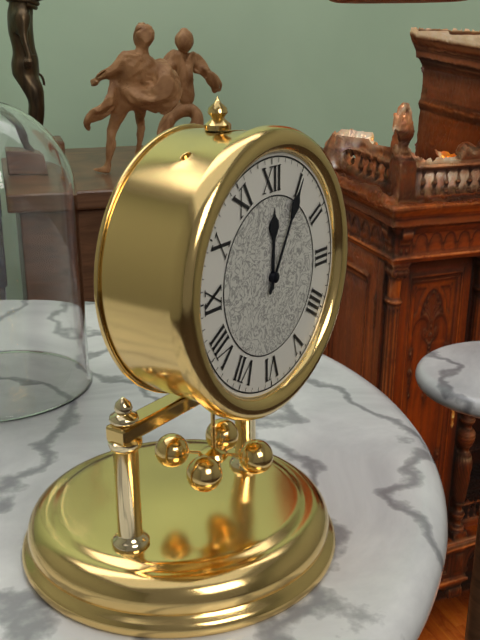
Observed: h=12 m=5
